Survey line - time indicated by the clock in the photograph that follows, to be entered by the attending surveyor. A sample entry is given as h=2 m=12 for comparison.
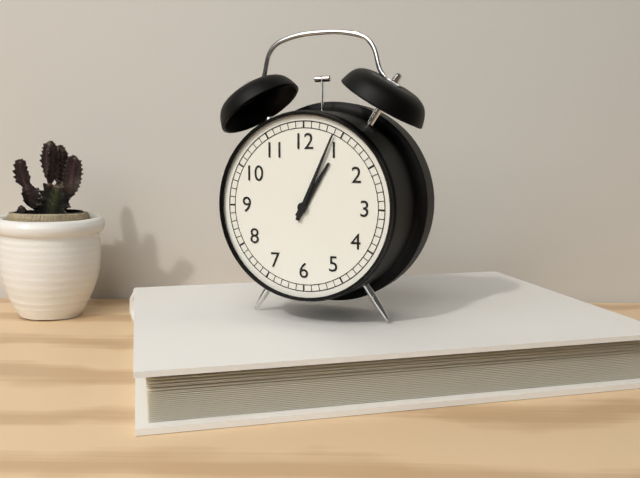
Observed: h=1 m=4
